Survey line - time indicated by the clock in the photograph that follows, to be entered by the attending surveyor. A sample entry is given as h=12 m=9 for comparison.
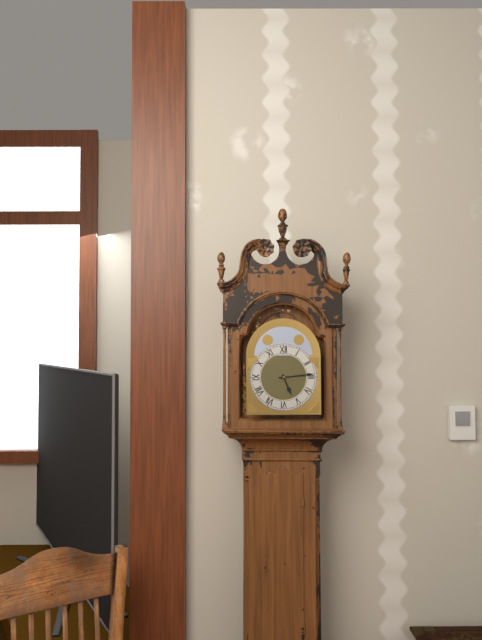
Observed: h=5 m=14
